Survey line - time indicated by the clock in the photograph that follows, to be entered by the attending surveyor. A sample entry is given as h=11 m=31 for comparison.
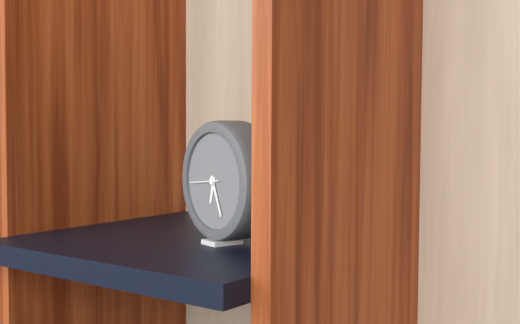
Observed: h=6 m=26
